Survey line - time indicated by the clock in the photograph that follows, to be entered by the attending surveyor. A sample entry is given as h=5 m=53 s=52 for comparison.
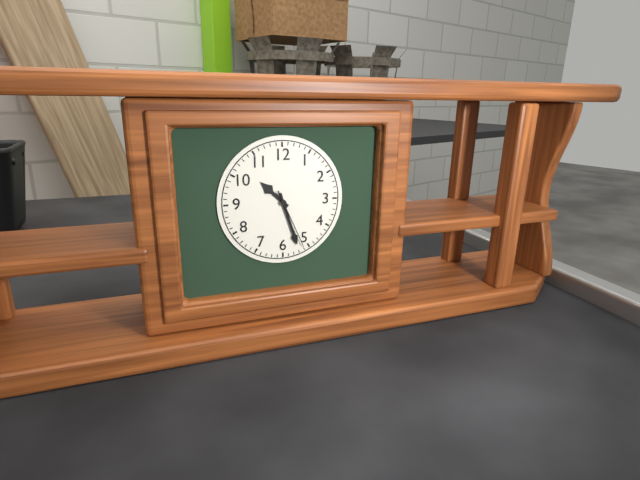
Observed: h=10 m=27 s=26
